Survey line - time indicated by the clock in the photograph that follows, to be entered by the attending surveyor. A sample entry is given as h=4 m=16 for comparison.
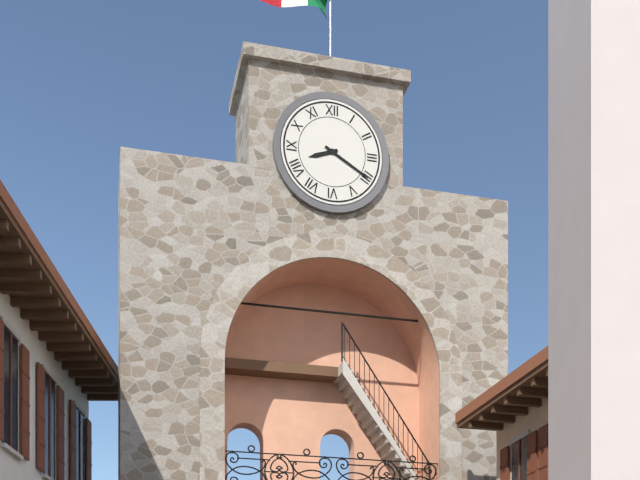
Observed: h=8 m=20
